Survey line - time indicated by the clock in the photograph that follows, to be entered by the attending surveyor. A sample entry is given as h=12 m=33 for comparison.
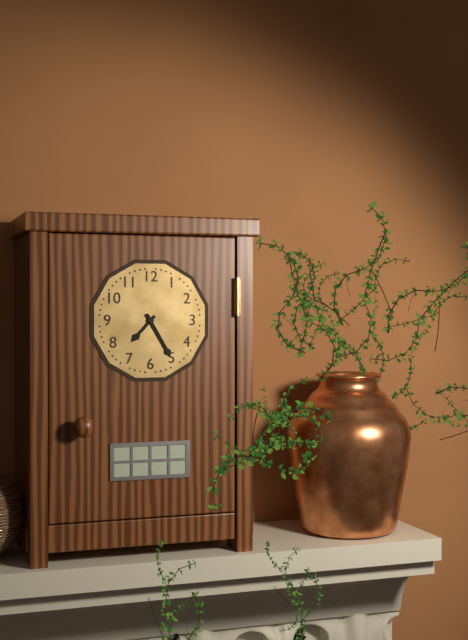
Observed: h=7 m=25
